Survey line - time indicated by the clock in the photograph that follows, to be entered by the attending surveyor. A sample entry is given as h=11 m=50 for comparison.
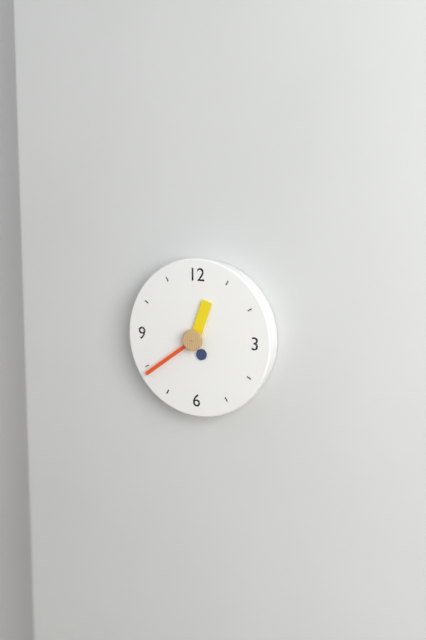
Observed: h=12 m=39
